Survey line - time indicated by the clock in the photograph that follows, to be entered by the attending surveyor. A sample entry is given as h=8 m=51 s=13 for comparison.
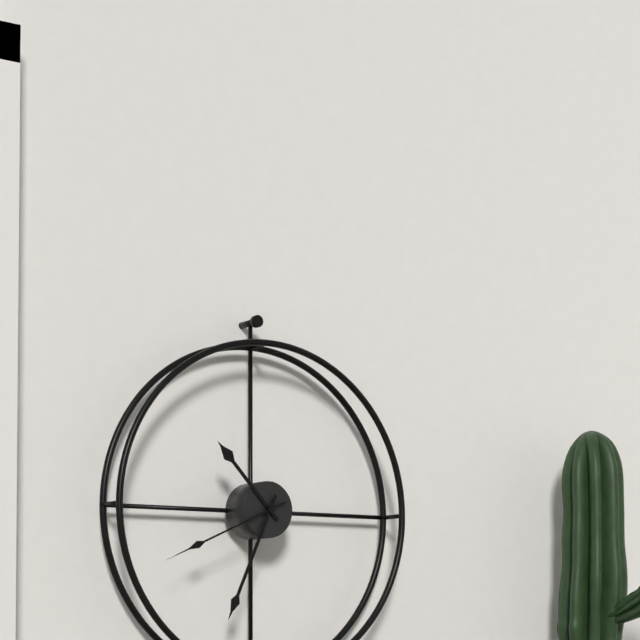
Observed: h=10 m=34 s=41
